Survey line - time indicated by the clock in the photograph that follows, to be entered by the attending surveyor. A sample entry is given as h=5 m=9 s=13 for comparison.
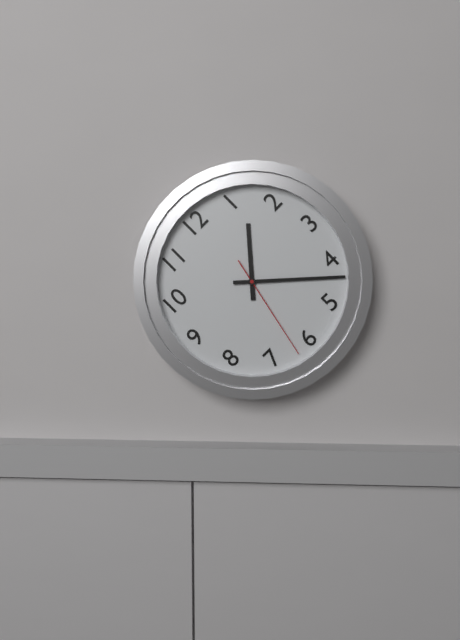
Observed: h=1 m=22 s=32
